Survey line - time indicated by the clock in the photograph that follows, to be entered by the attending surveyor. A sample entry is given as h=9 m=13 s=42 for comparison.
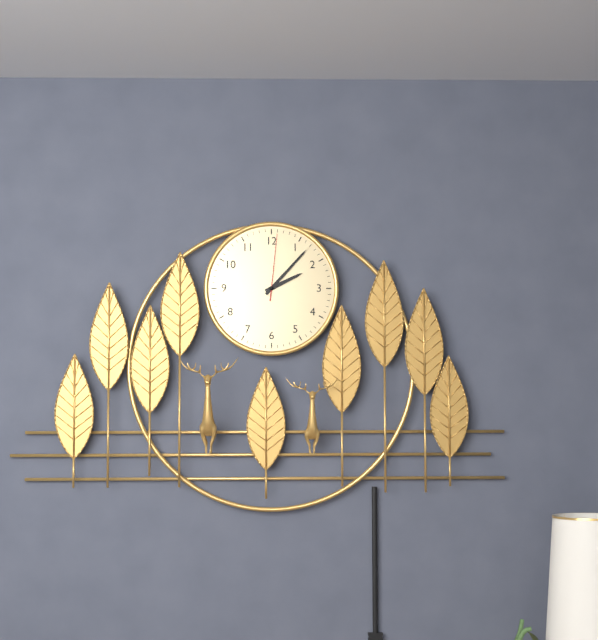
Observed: h=2 m=7 s=1
